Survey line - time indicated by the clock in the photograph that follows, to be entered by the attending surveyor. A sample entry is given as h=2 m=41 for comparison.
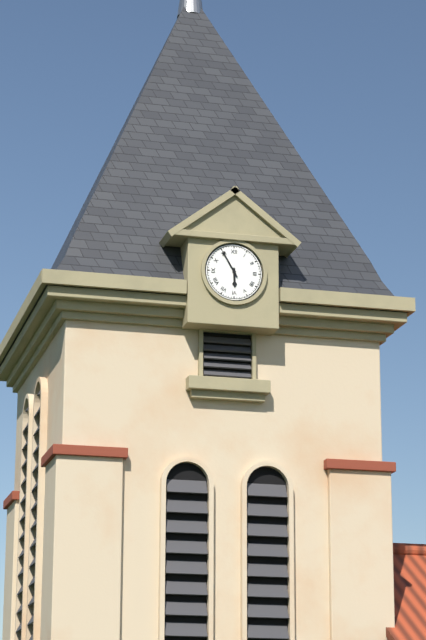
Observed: h=5 m=55
